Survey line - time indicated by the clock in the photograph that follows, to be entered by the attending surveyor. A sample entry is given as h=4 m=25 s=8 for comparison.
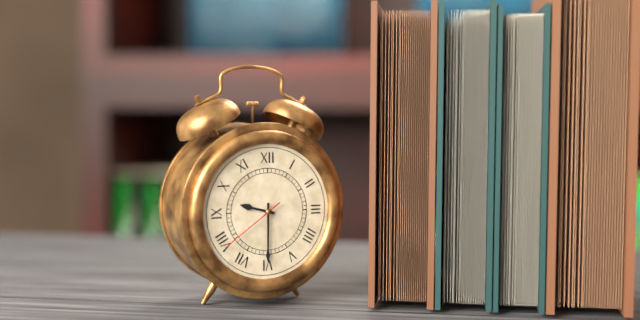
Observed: h=9 m=30 s=39
